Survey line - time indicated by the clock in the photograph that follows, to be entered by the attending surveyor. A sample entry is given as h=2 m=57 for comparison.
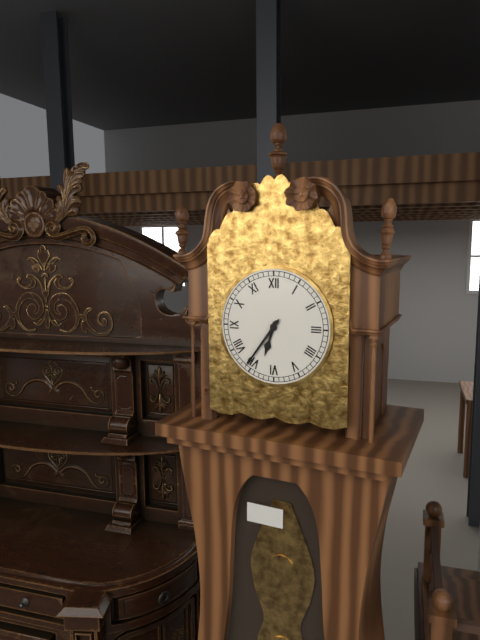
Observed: h=6 m=36
